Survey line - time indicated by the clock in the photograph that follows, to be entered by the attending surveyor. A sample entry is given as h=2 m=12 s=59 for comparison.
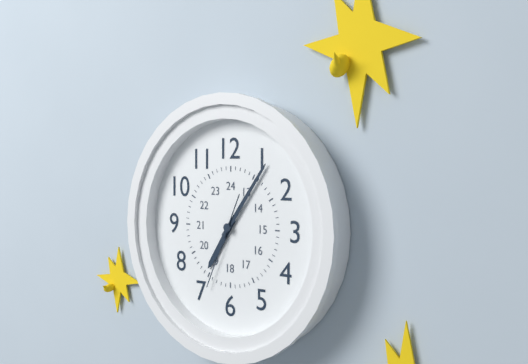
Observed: h=7 m=6 s=34
